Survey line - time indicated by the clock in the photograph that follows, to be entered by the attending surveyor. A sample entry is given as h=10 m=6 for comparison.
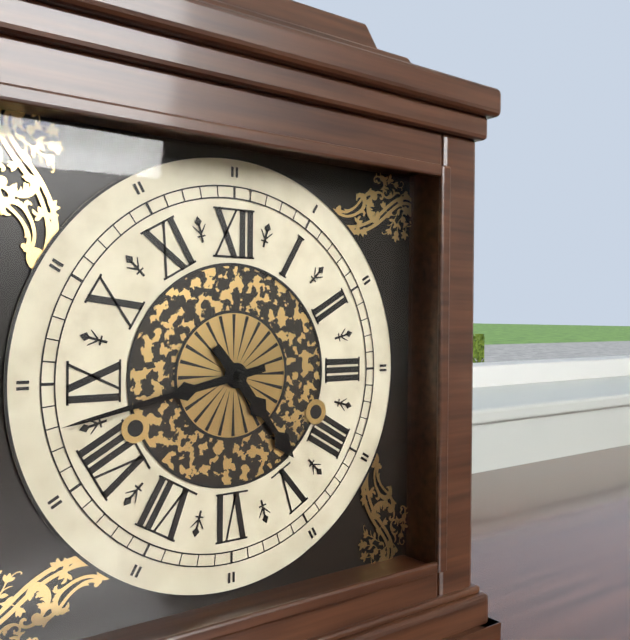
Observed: h=4 m=43
